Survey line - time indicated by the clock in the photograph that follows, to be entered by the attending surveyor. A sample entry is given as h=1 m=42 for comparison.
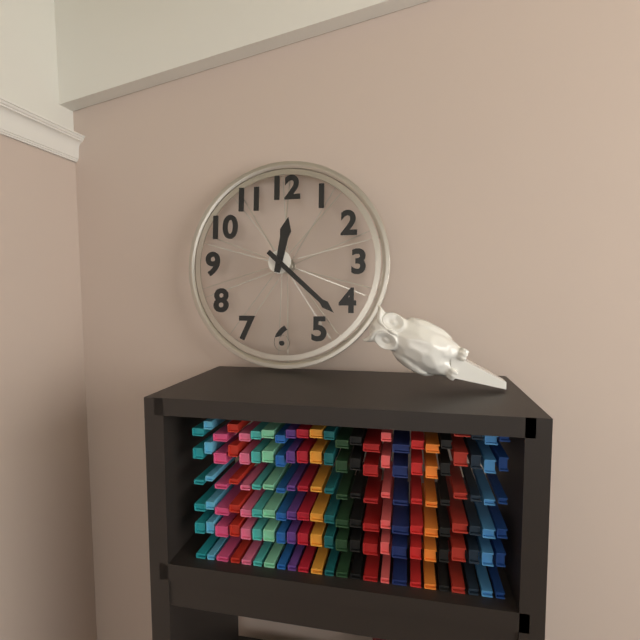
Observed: h=12 m=22
